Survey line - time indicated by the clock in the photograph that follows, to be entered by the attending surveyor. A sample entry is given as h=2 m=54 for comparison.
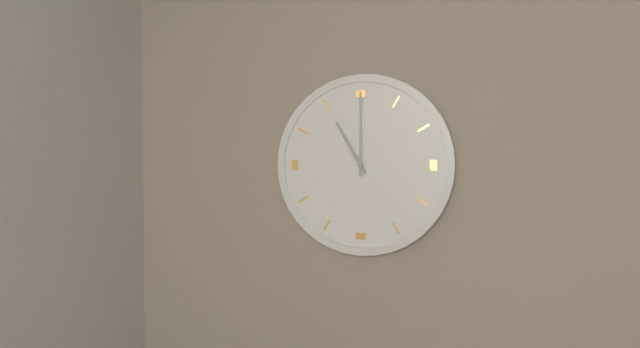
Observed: h=11 m=0
